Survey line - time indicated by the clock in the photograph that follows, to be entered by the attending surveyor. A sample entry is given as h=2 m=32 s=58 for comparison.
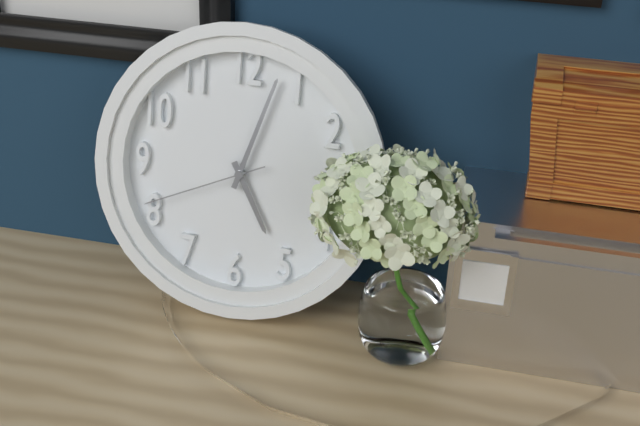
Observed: h=5 m=3 s=41
